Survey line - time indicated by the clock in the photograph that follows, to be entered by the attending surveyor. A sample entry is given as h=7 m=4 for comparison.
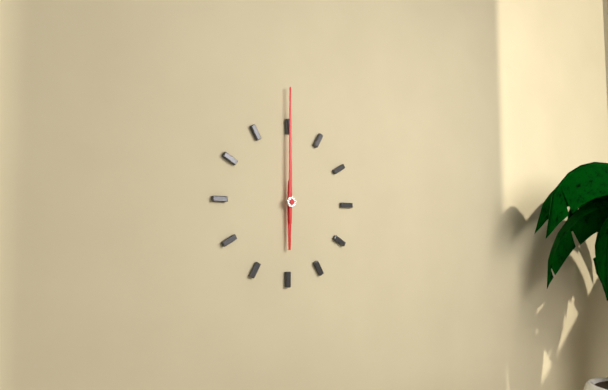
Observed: h=6 m=0
